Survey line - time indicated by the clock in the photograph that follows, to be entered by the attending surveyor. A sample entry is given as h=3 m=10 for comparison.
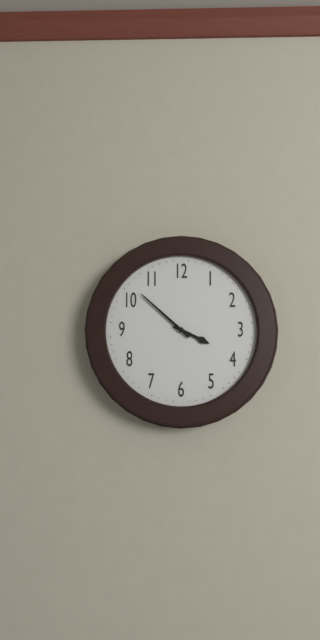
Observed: h=3 m=52
